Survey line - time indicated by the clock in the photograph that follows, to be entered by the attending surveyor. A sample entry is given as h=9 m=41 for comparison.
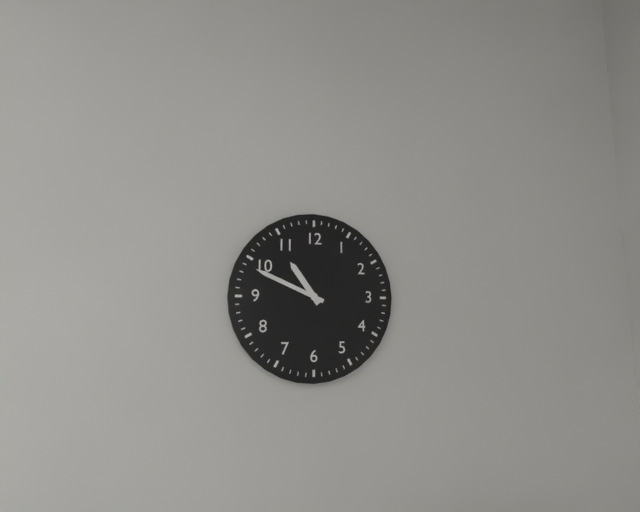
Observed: h=10 m=49
